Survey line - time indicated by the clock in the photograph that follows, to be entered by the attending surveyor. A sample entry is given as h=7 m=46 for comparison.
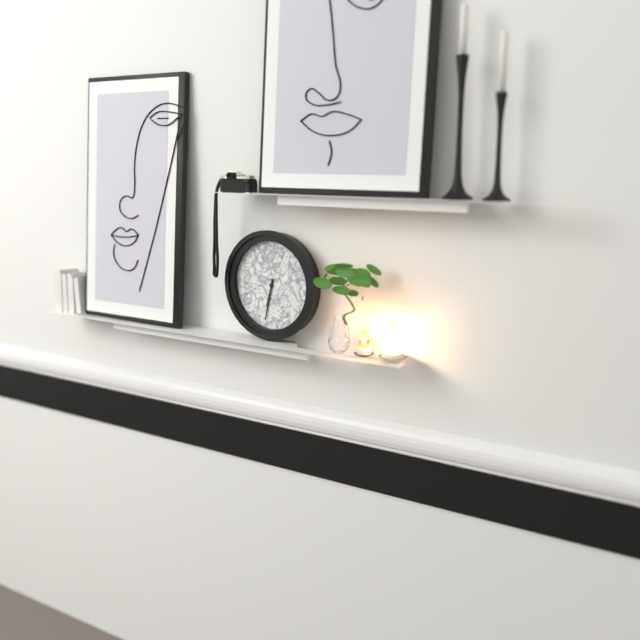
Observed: h=6 m=32
